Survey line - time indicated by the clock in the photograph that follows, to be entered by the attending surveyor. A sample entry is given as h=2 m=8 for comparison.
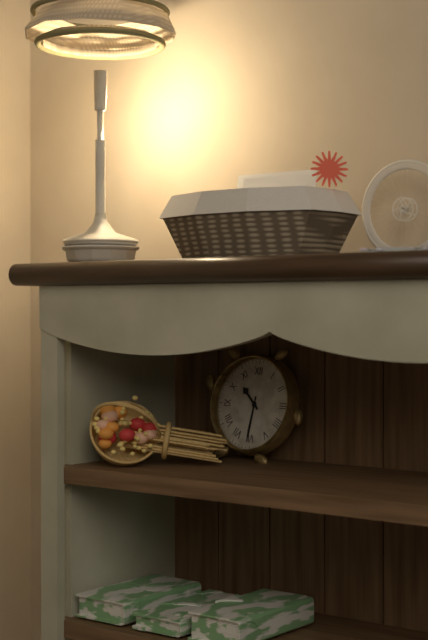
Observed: h=10 m=31
